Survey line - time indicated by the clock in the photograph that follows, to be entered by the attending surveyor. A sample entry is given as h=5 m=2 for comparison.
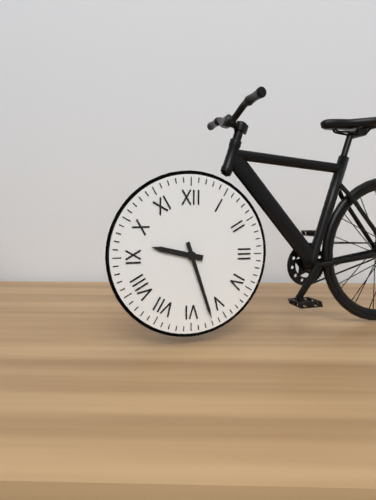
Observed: h=9 m=27
